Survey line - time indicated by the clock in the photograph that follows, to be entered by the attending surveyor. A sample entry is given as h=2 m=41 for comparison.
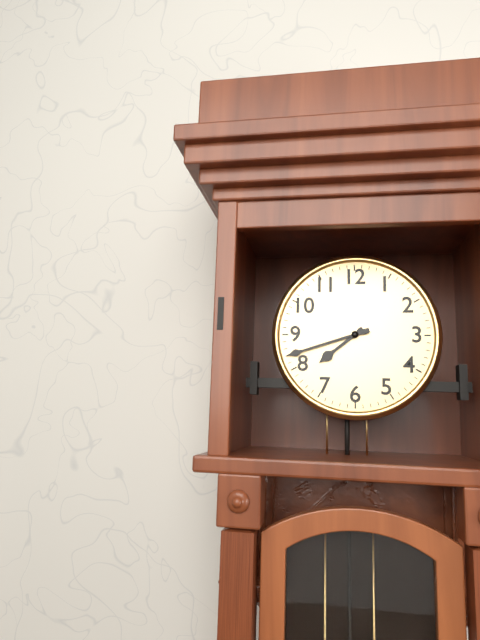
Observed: h=7 m=42
